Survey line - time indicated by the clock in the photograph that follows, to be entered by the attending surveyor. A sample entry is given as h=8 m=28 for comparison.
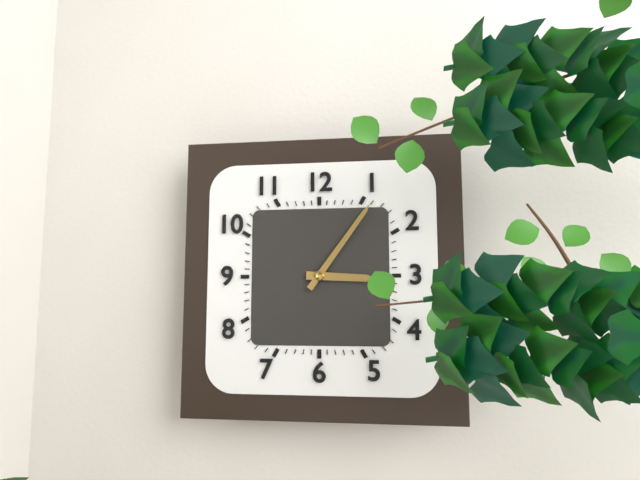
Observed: h=3 m=6
